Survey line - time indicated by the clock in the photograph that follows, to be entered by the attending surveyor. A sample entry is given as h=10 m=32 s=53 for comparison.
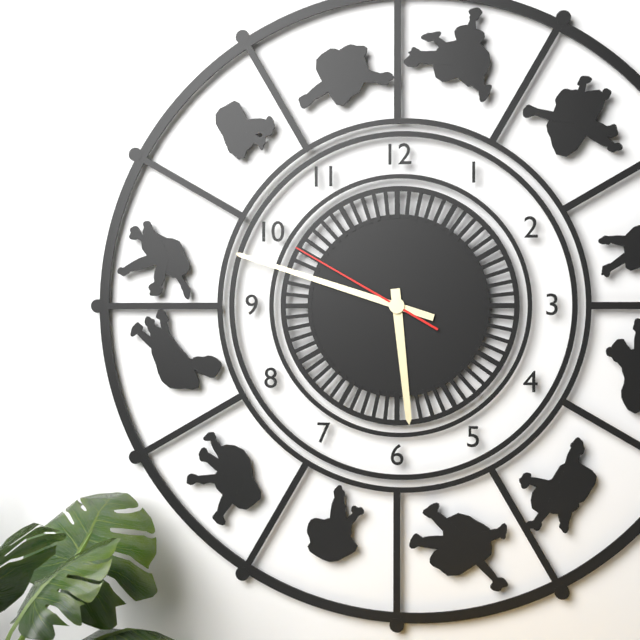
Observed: h=5 m=48 s=50
